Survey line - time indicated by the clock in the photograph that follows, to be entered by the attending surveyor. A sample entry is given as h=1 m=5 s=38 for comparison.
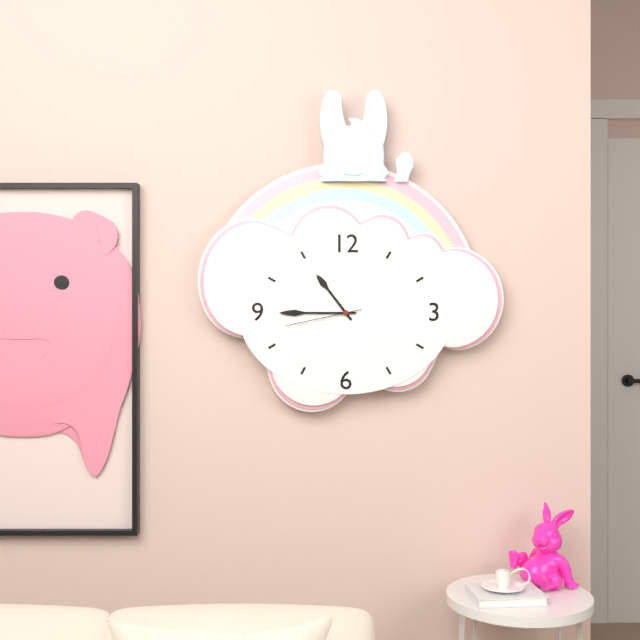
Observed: h=10 m=45 s=43
